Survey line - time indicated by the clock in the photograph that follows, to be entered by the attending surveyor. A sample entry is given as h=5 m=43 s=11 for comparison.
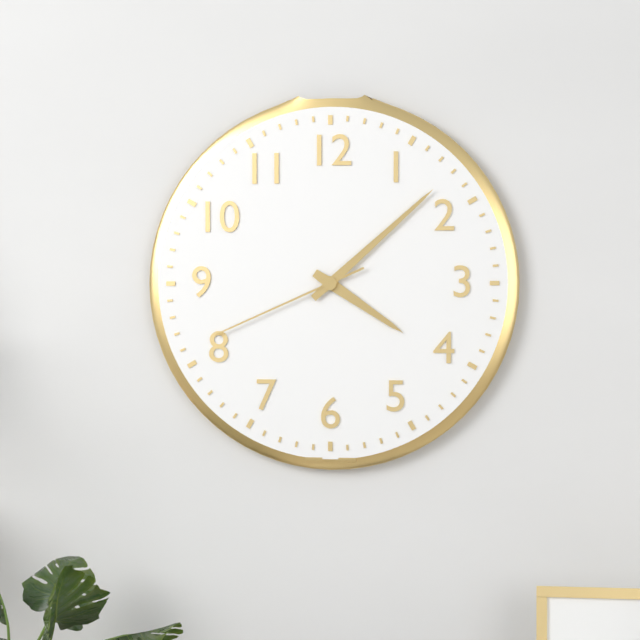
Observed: h=4 m=8 s=41
